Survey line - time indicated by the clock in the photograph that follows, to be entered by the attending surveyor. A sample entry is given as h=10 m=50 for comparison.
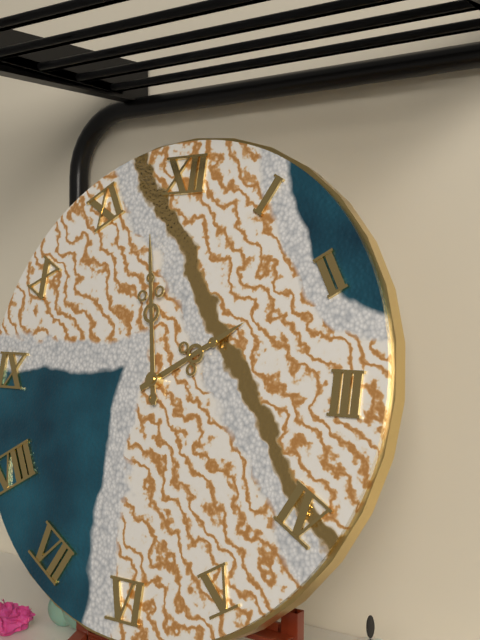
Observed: h=1 m=58
